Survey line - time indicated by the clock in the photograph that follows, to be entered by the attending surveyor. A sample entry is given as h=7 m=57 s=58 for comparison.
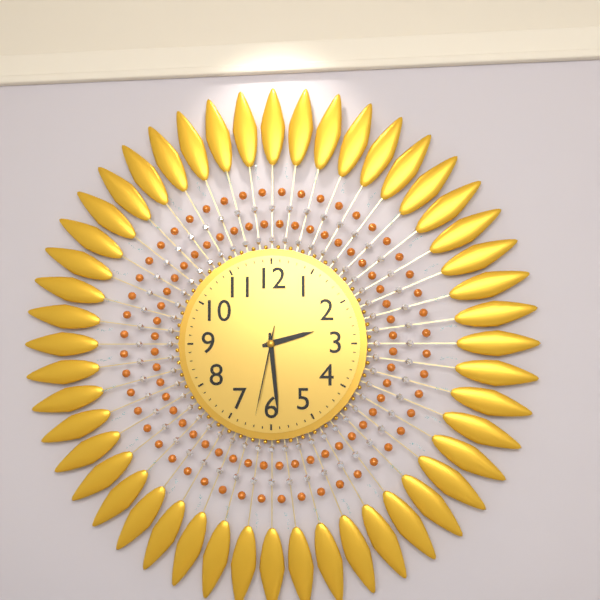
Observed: h=2 m=29 s=32
